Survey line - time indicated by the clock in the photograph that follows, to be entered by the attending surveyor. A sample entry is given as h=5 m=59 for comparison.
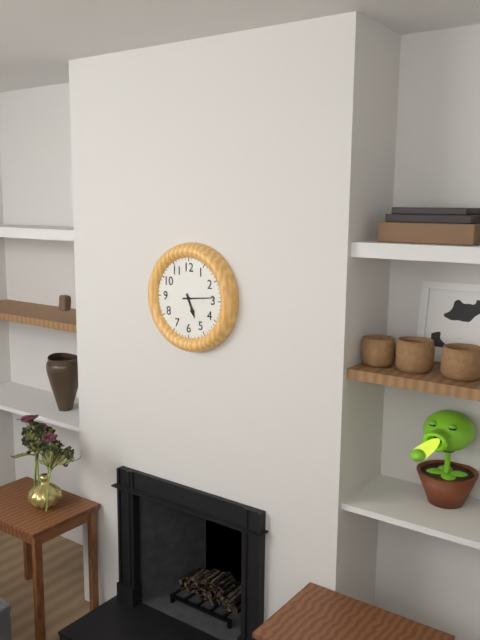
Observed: h=5 m=14
